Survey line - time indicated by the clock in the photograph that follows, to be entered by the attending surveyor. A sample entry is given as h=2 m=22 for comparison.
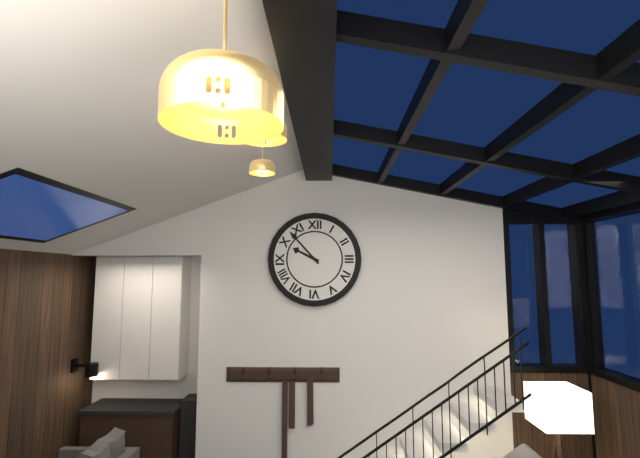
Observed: h=9 m=53
